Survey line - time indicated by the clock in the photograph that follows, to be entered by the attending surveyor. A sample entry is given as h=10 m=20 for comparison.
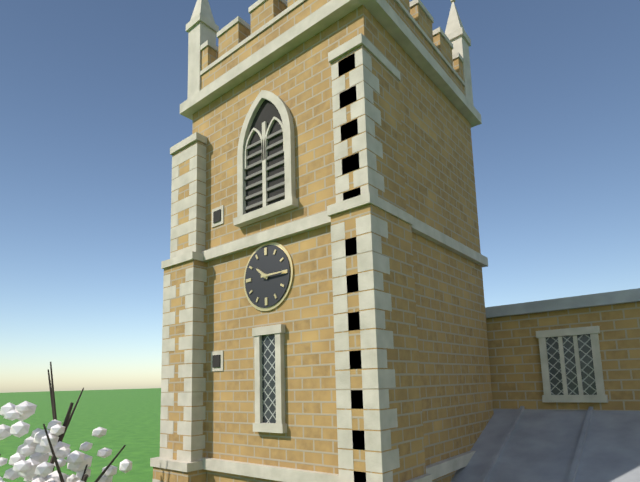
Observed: h=10 m=15
